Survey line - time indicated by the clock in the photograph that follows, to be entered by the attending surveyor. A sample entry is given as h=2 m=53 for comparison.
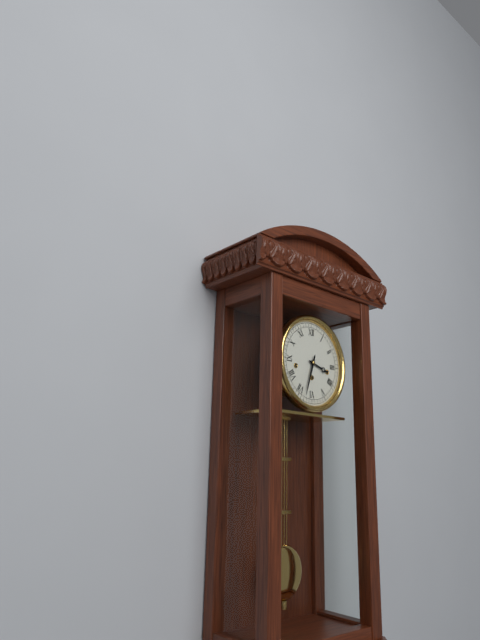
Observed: h=3 m=33
